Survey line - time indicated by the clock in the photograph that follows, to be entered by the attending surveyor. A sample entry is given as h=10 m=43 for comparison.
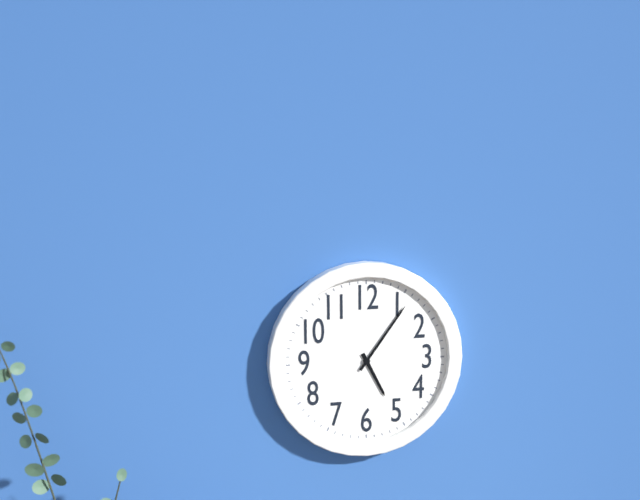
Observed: h=5 m=6
